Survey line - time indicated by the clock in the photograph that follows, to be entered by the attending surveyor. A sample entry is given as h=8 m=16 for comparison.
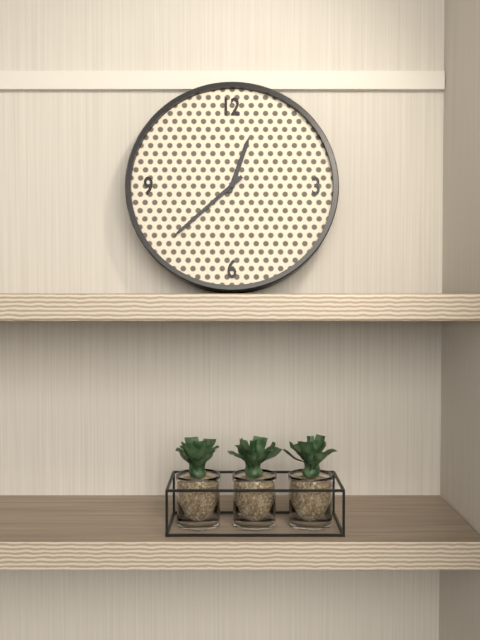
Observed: h=12 m=38
